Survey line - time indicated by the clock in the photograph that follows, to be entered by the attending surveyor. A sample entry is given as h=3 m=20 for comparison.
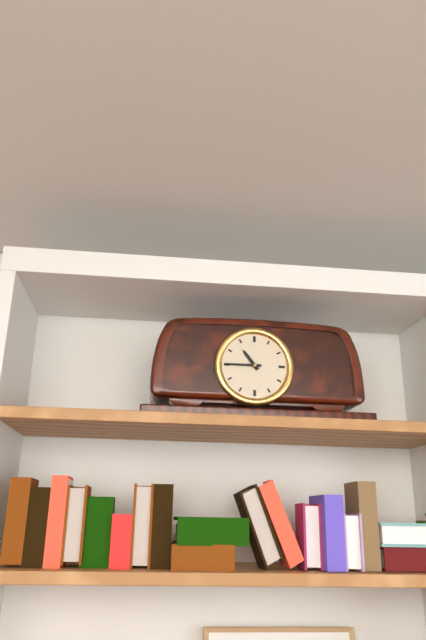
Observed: h=10 m=45
